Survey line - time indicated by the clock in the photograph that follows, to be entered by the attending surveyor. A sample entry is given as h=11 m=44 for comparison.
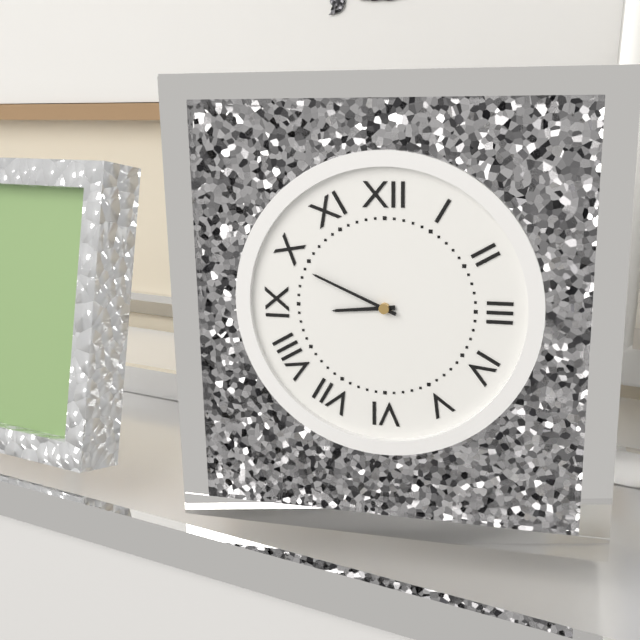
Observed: h=8 m=49
